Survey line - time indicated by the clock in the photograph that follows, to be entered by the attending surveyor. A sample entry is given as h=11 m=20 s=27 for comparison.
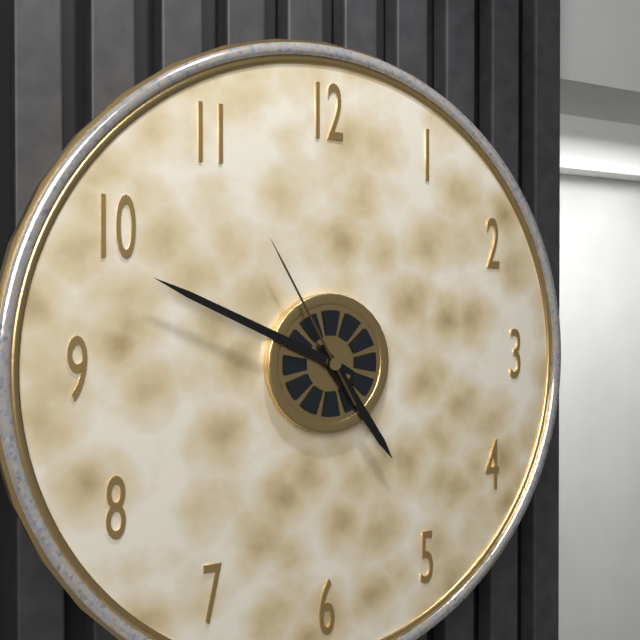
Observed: h=4 m=49 s=55
